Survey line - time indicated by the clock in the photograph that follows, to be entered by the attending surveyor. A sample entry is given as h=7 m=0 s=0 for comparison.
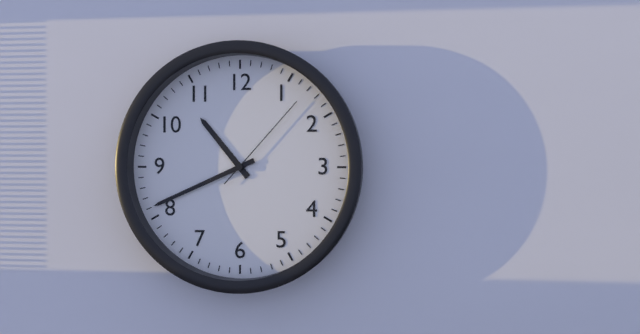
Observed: h=10 m=41 s=7
